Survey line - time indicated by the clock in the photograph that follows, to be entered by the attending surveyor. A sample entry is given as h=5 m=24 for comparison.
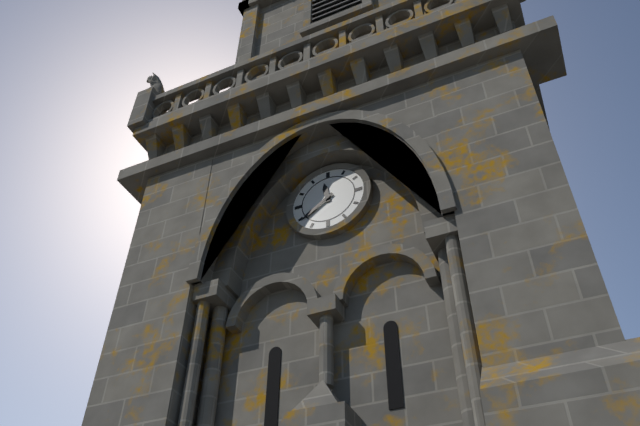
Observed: h=11 m=39
